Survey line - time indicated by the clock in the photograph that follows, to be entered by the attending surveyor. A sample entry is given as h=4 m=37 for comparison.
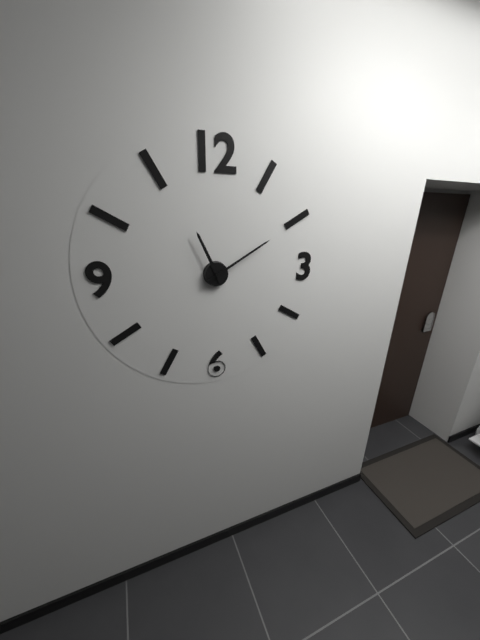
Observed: h=11 m=10
